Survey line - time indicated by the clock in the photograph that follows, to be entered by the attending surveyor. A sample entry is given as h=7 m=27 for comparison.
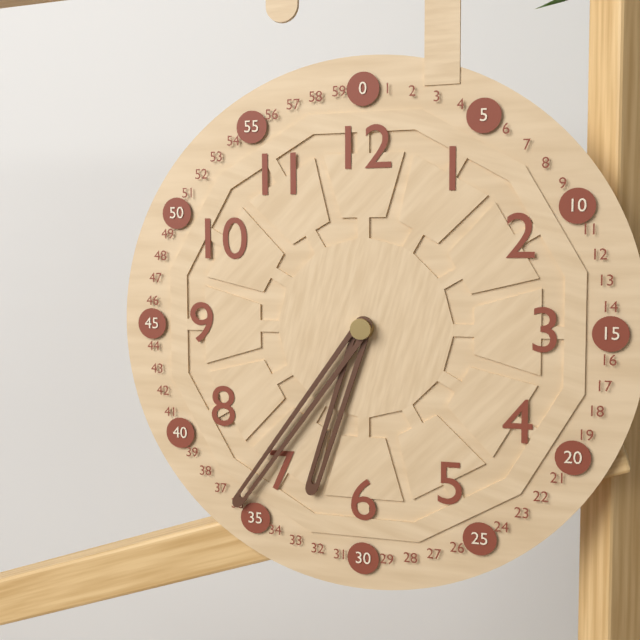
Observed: h=6 m=36
